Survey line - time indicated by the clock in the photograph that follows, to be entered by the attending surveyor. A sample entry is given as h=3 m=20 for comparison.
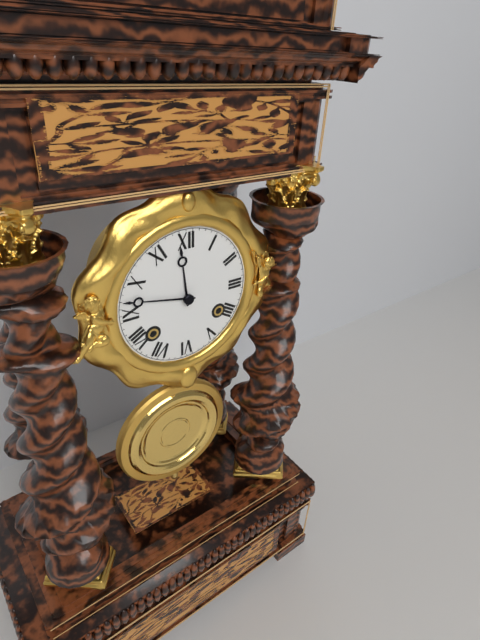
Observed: h=11 m=47
